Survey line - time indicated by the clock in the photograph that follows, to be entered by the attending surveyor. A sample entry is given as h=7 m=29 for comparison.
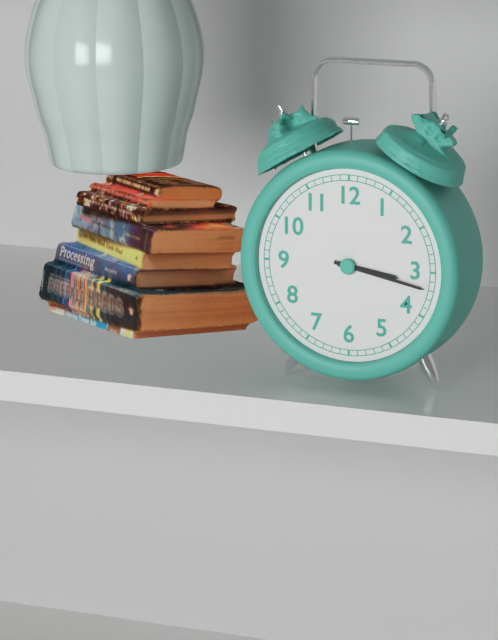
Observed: h=3 m=17
